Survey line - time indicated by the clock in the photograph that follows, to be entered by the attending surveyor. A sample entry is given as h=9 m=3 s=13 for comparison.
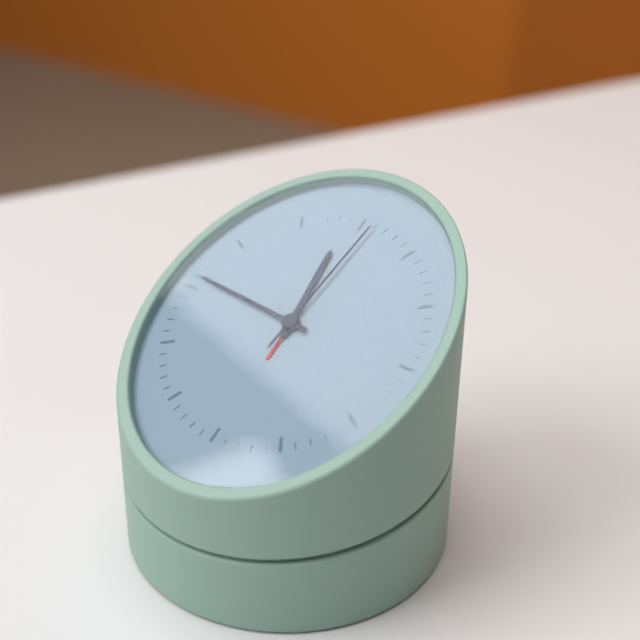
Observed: h=11 m=46 s=1
